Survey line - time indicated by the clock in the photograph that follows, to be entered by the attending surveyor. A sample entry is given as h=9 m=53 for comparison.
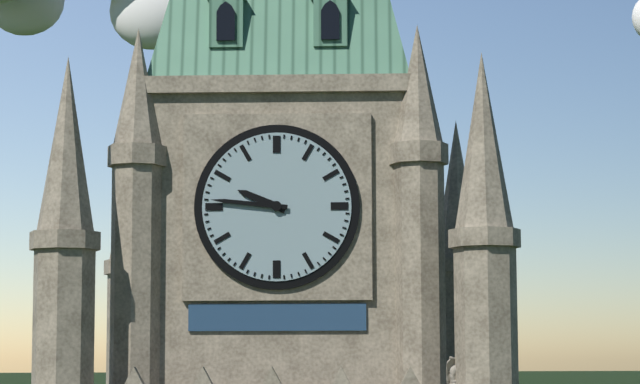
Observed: h=9 m=46
